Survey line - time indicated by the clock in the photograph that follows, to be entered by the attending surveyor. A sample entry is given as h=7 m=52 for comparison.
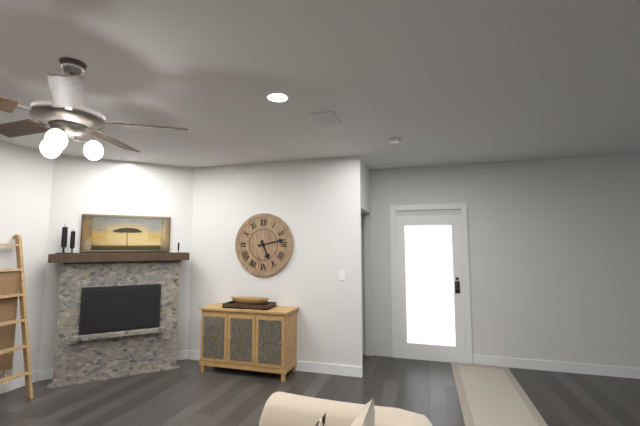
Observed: h=5 m=13
